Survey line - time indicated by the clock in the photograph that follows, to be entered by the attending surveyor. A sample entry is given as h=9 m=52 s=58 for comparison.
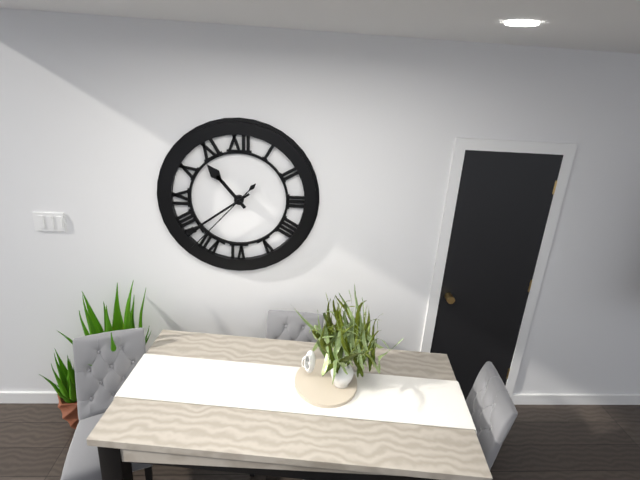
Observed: h=10 m=39 s=37
